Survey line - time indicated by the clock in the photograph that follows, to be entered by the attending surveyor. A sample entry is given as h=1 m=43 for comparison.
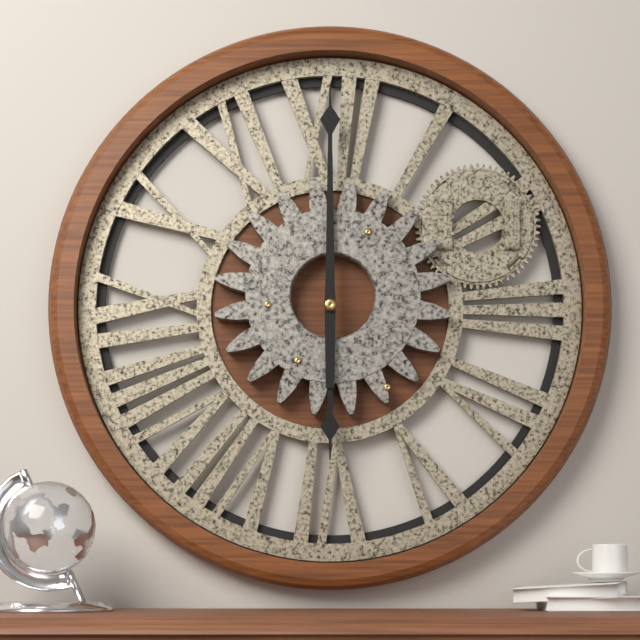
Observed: h=6 m=0
